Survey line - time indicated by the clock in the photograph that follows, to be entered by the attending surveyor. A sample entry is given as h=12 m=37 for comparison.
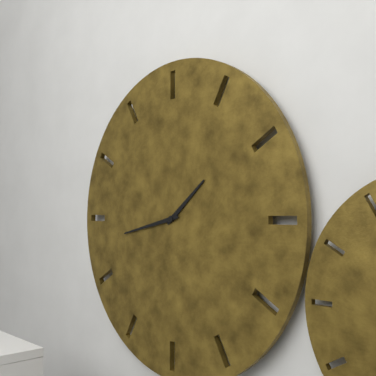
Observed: h=1 m=43
